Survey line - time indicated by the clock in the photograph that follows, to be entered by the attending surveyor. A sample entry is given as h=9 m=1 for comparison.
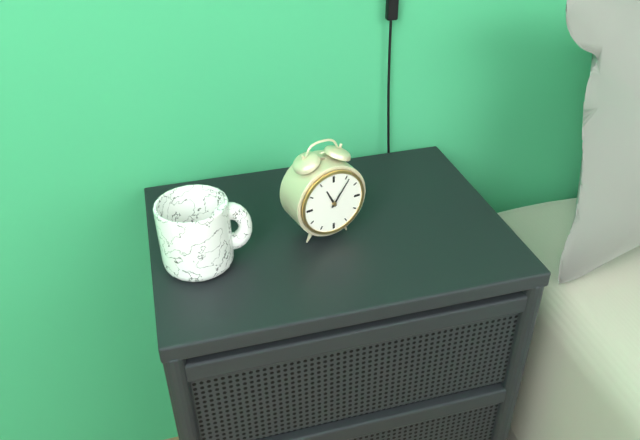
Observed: h=11 m=6
